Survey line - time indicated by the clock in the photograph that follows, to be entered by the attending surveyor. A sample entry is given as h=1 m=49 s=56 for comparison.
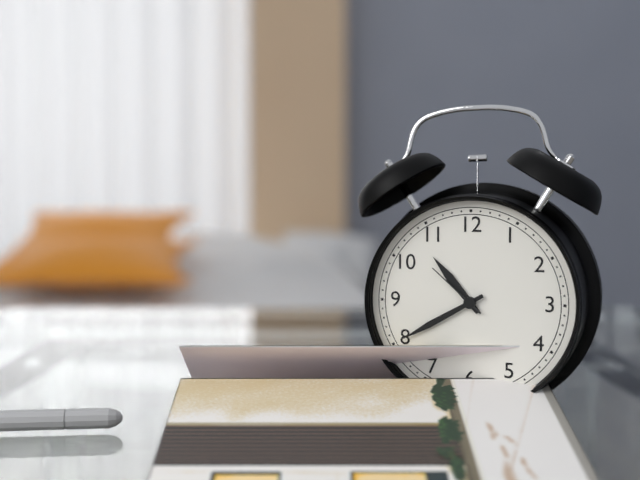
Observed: h=10 m=40 s=52
